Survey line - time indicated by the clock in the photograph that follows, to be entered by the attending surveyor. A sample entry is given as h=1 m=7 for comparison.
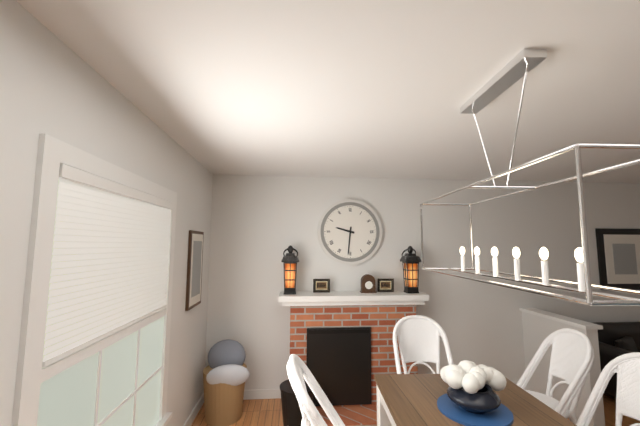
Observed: h=9 m=31
